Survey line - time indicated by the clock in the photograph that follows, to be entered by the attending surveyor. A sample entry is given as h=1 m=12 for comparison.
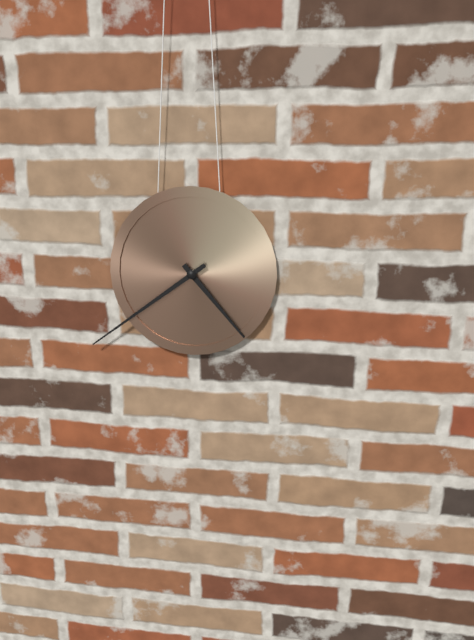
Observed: h=4 m=39
